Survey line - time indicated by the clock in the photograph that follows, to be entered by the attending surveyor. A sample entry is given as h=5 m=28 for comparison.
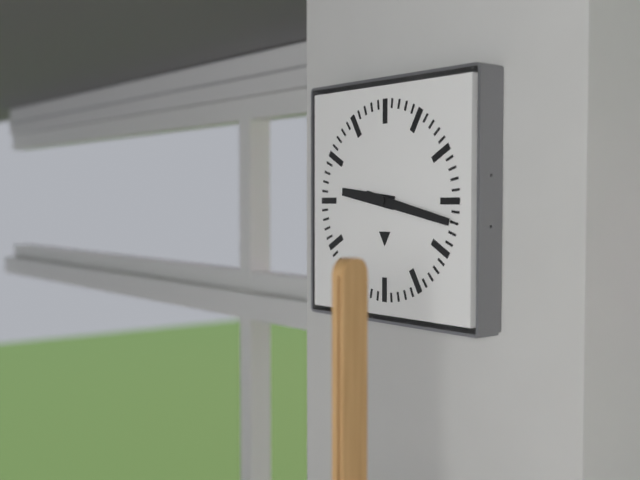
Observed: h=9 m=17
